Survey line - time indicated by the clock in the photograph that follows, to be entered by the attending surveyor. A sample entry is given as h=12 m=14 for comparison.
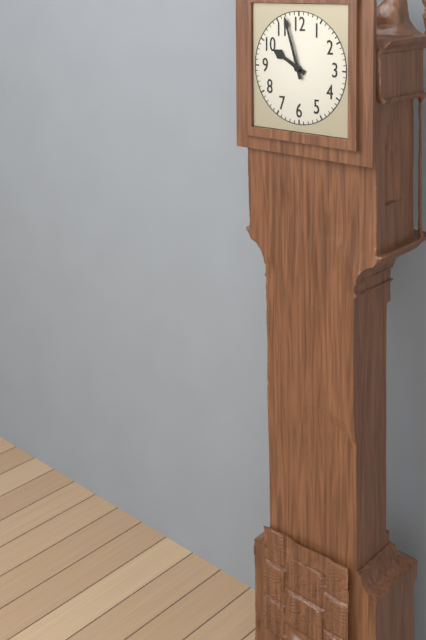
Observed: h=9 m=57
